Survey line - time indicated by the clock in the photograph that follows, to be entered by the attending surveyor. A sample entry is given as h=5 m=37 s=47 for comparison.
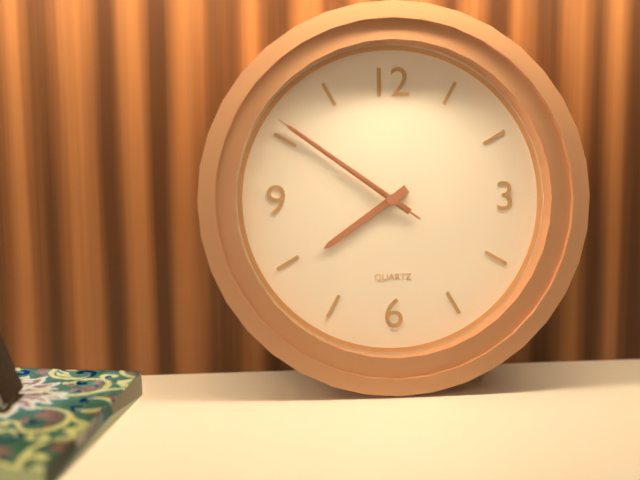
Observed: h=7 m=51 s=51
